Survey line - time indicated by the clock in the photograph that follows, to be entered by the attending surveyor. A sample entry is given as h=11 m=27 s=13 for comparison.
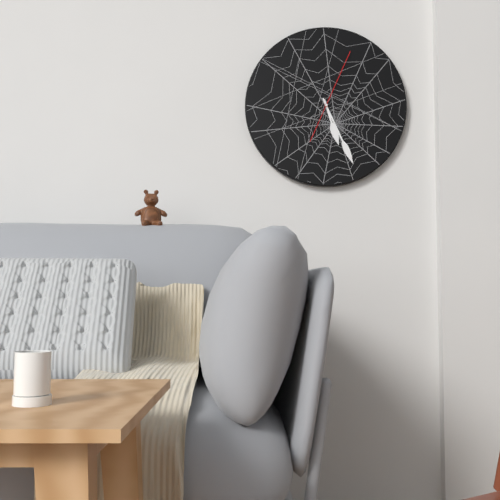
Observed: h=5 m=26 s=4
